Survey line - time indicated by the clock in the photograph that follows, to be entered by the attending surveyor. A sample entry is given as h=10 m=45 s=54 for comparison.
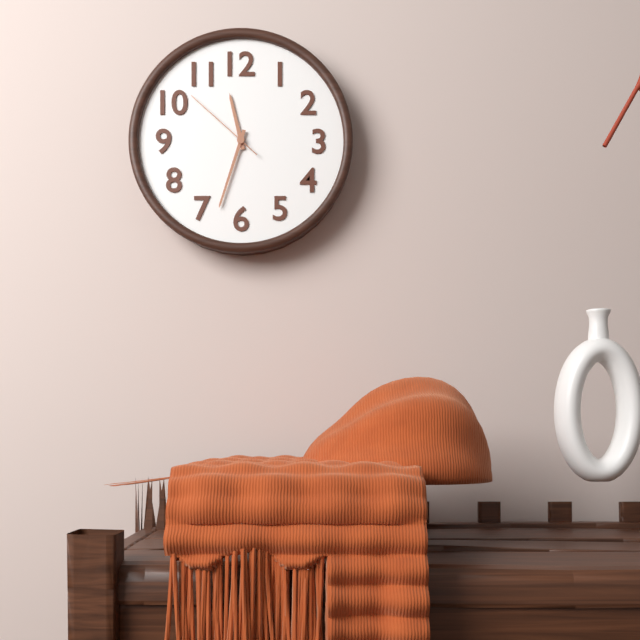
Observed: h=11 m=33 s=52
